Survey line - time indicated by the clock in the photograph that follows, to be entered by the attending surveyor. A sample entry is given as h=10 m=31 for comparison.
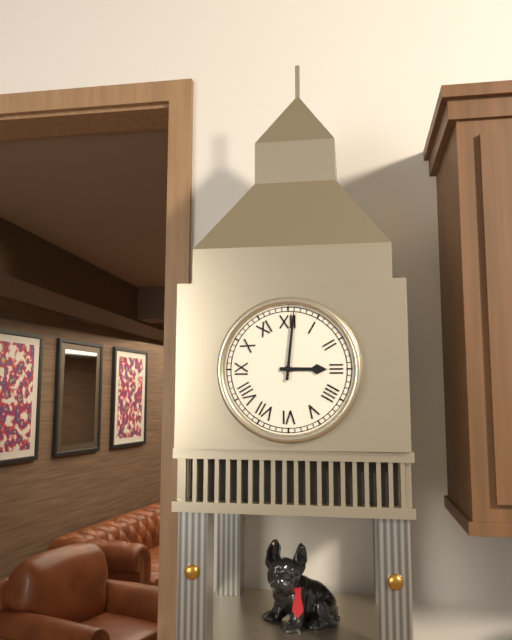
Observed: h=3 m=1
